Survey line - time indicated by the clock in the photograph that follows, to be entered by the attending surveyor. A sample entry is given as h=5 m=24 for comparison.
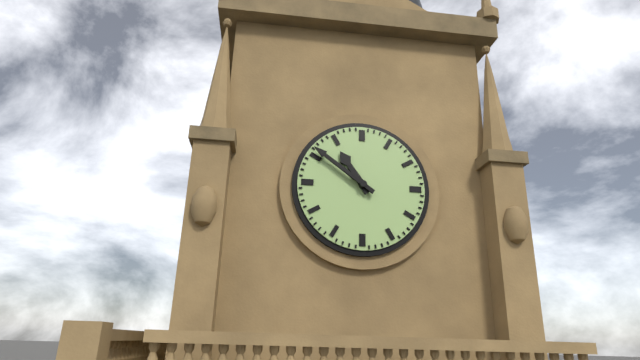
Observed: h=10 m=51
